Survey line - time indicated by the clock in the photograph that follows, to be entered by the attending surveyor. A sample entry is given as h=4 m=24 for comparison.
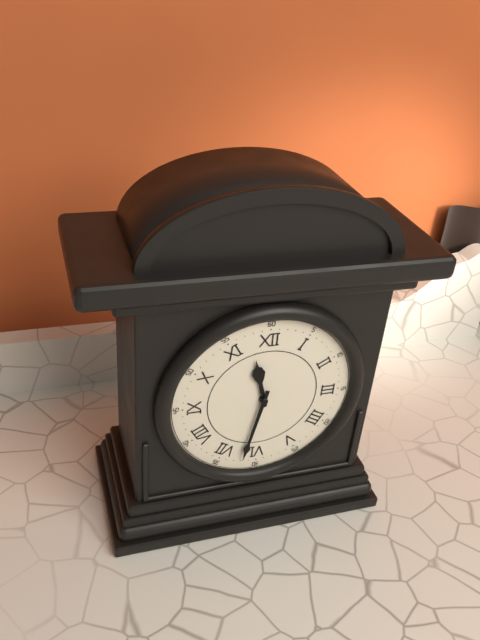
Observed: h=11 m=32
